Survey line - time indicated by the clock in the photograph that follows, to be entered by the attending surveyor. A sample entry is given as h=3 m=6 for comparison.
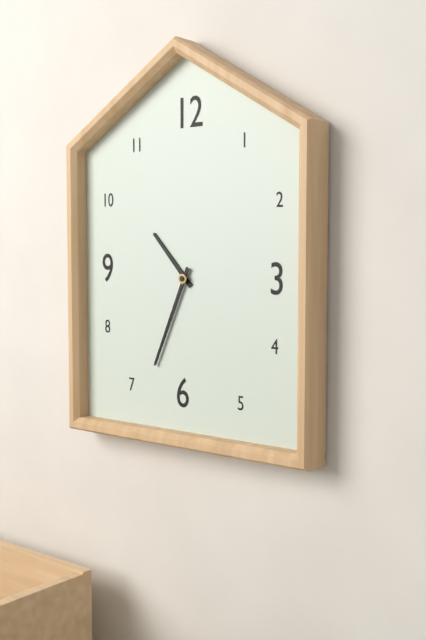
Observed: h=10 m=34
